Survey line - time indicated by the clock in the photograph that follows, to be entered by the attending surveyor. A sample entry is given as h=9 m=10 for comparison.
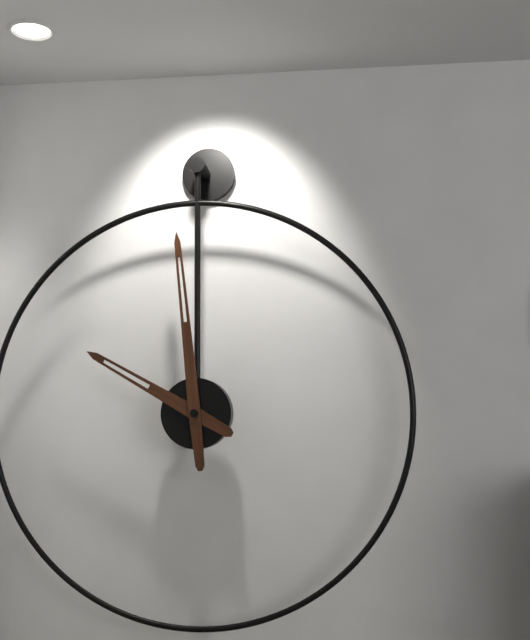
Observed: h=9 m=59
